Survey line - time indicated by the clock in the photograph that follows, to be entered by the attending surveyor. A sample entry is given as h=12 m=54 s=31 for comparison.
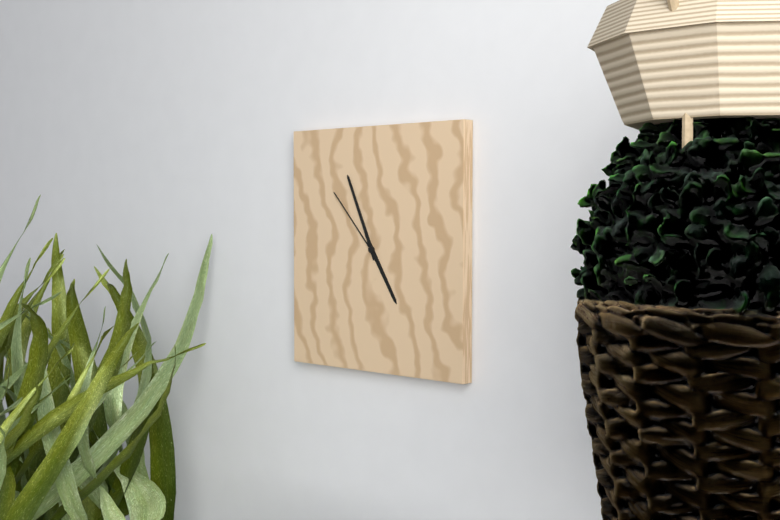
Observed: h=4 m=56 s=53
